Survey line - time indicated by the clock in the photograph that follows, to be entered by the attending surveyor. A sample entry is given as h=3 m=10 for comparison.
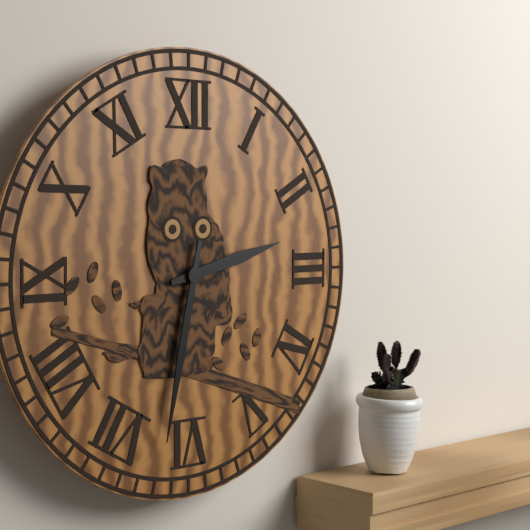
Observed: h=2 m=32
